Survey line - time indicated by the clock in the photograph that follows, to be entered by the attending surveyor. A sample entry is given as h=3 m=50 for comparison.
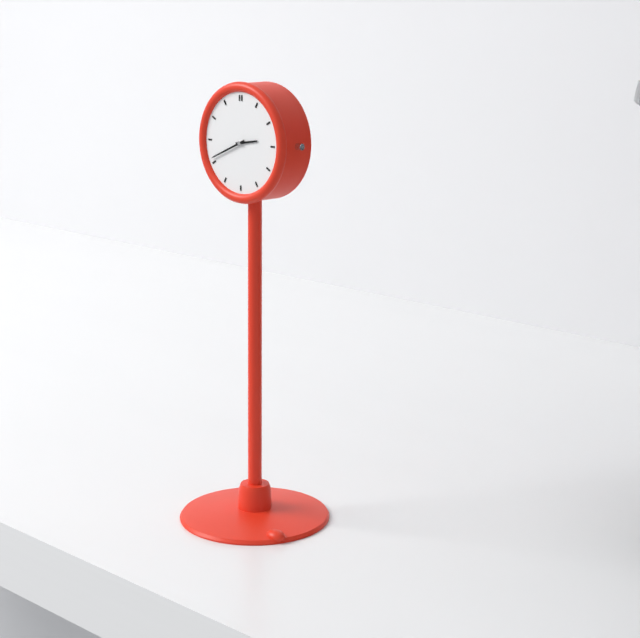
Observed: h=2 m=41
